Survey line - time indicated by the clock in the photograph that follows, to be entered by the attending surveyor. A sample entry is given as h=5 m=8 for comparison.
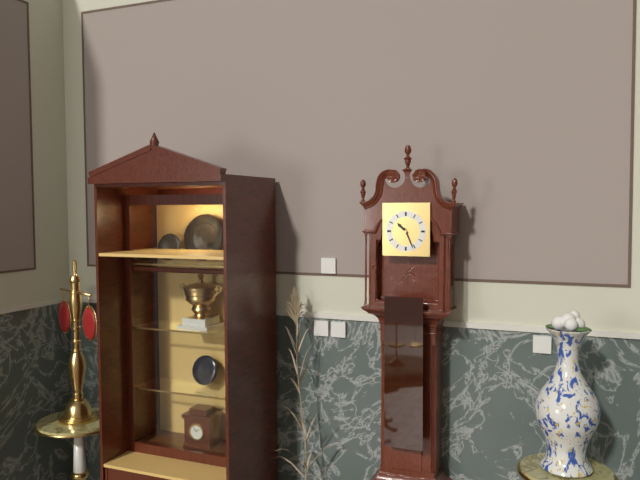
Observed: h=10 m=26
